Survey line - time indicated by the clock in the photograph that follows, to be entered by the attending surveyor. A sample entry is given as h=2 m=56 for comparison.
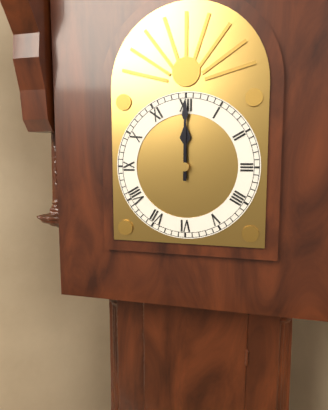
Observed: h=12 m=0
